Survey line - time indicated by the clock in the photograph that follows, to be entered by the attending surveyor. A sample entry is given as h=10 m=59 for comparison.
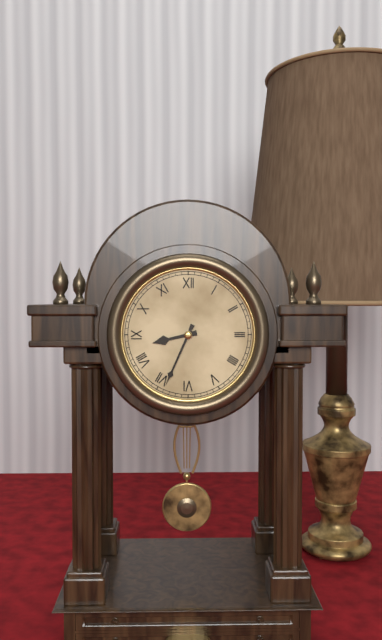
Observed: h=8 m=34
